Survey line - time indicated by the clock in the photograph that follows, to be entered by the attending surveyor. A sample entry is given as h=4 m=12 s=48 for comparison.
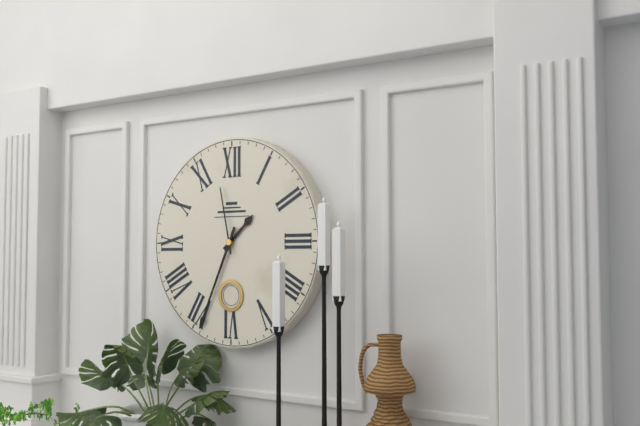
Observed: h=1 m=34 s=58
